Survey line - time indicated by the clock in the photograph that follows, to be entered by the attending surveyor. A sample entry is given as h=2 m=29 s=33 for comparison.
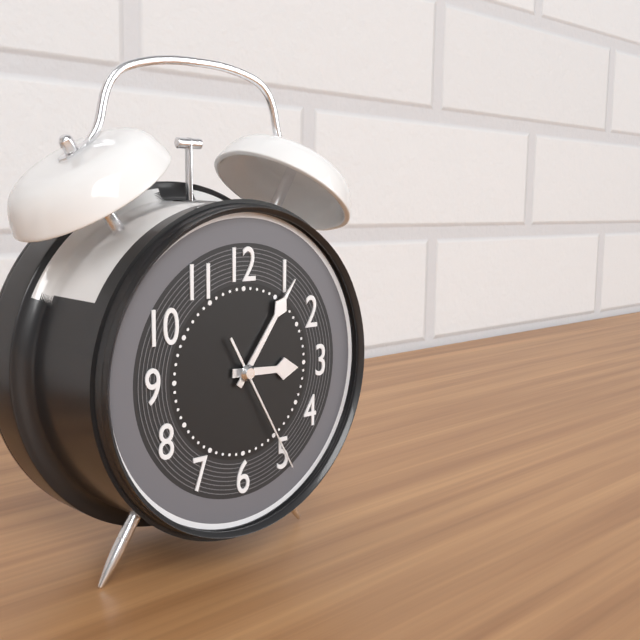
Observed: h=3 m=6 s=25
